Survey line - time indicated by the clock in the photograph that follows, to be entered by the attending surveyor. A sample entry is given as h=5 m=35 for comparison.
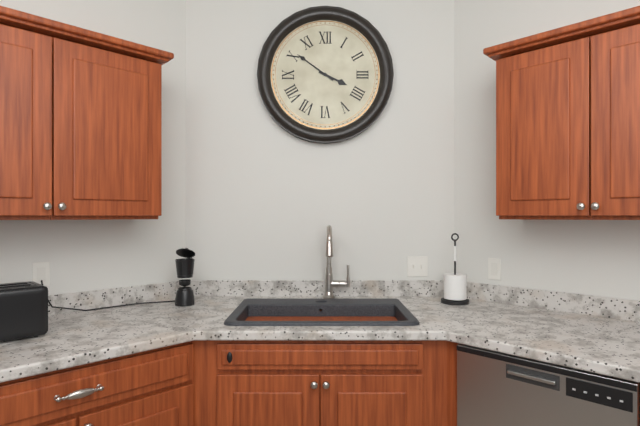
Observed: h=3 m=51
